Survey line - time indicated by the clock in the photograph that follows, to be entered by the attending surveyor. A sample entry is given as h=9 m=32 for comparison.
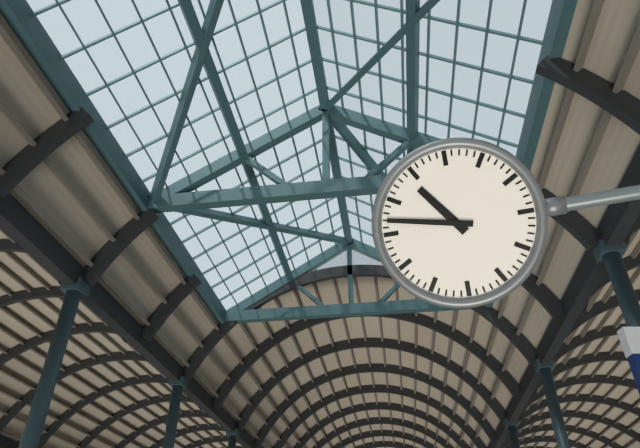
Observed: h=10 m=47
